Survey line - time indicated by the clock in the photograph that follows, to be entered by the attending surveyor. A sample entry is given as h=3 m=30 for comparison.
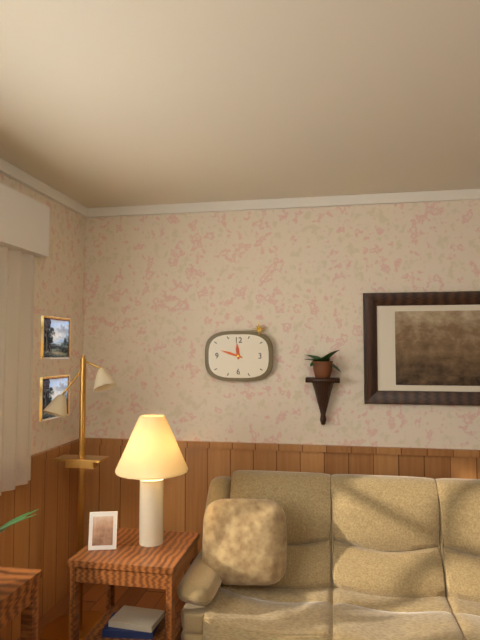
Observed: h=11 m=48
